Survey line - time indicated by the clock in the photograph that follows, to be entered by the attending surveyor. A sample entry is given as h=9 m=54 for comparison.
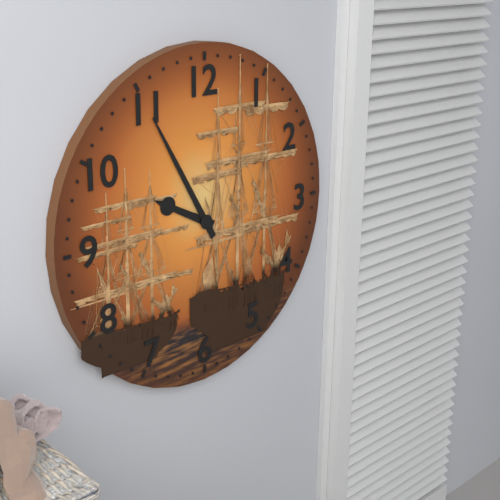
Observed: h=9 m=55
